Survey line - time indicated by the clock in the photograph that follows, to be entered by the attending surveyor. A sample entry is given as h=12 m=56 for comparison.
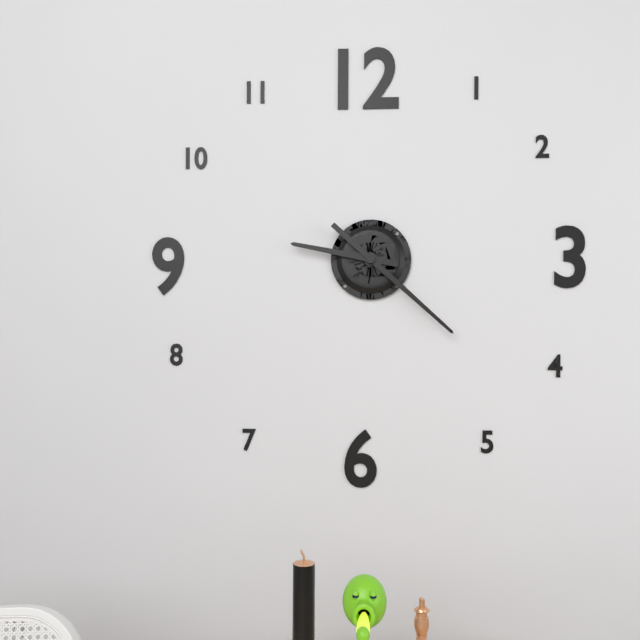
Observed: h=9 m=22
